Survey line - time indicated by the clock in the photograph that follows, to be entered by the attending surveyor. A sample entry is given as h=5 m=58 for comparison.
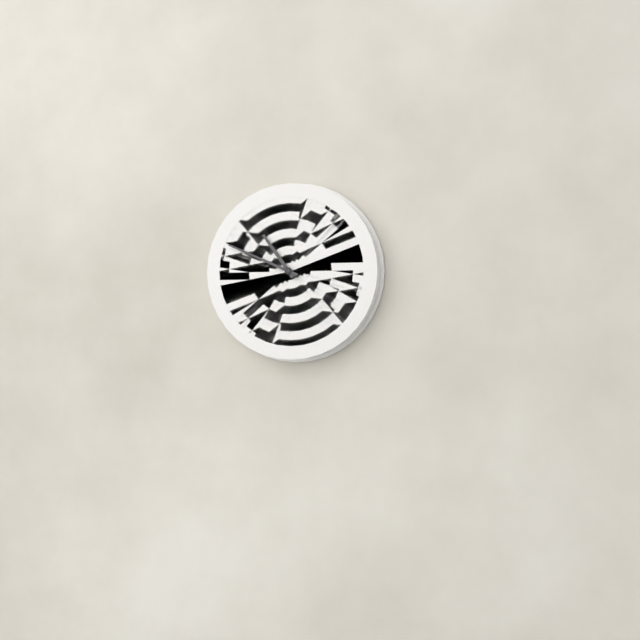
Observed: h=10 m=49
